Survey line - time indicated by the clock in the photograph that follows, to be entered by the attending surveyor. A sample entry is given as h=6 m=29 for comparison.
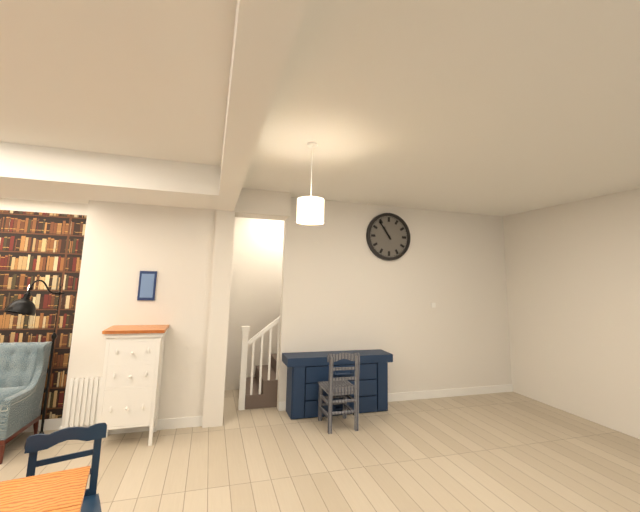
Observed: h=10 m=54
